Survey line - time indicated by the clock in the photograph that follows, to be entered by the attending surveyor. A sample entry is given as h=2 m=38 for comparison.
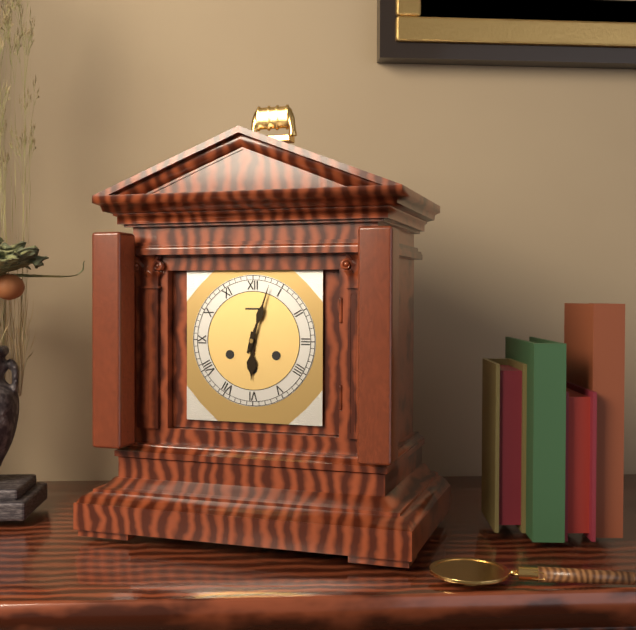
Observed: h=6 m=3
